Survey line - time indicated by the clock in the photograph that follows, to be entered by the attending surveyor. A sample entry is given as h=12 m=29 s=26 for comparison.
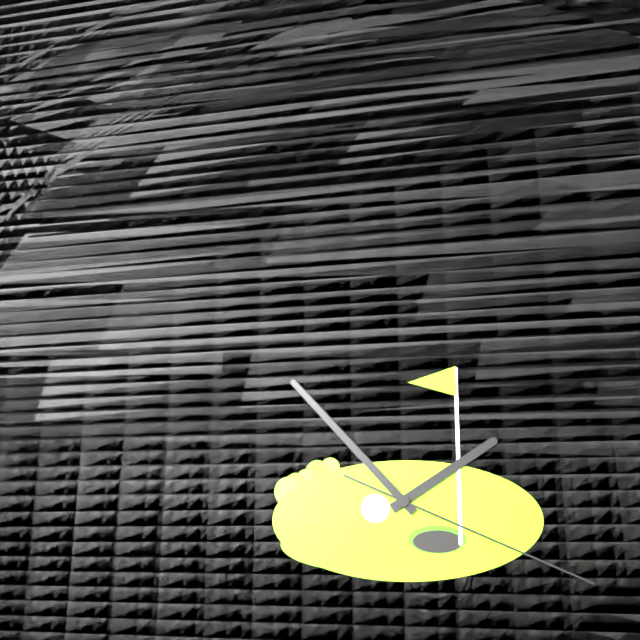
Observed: h=1 m=53 s=19
